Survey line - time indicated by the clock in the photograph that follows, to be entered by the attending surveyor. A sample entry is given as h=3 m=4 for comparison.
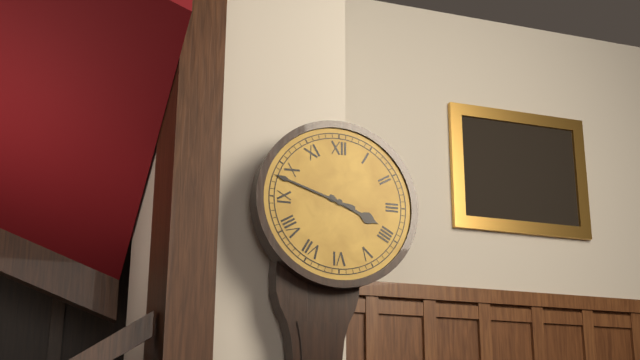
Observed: h=3 m=48
